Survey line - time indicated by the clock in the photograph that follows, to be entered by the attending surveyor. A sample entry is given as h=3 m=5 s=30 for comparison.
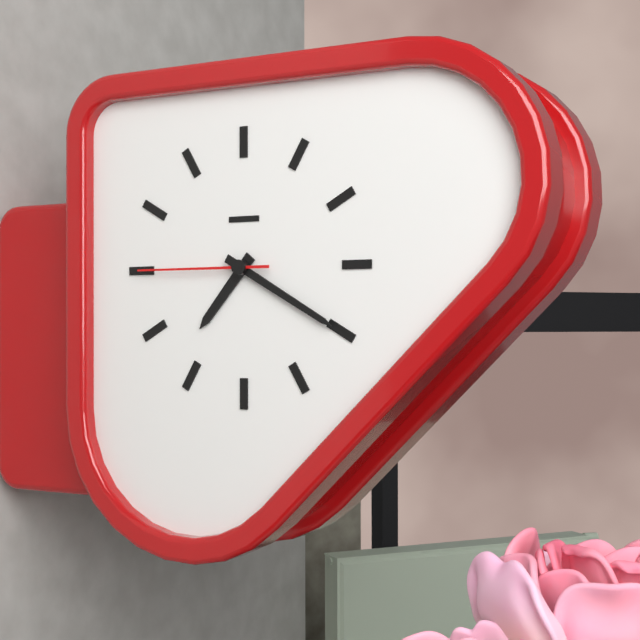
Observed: h=7 m=20 s=45
